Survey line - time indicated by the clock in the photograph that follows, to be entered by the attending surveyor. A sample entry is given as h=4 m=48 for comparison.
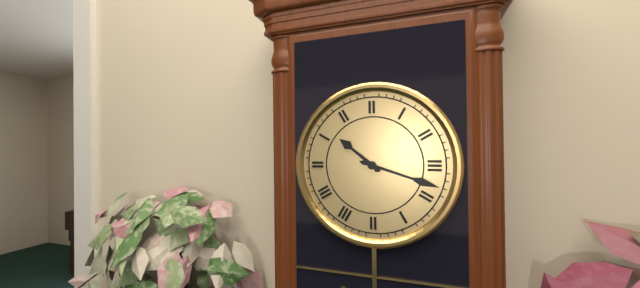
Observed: h=10 m=18
